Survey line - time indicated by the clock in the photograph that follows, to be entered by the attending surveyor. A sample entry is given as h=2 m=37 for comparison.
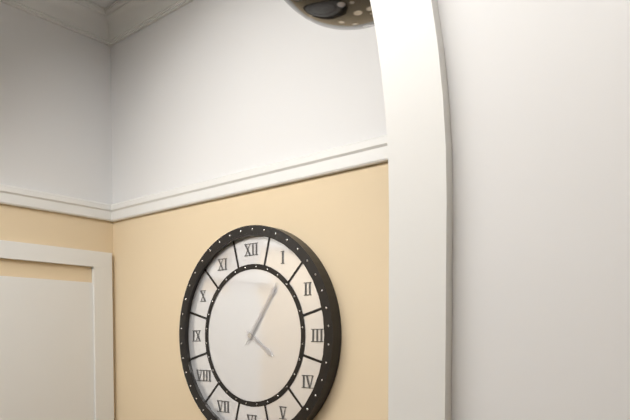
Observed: h=4 m=6
